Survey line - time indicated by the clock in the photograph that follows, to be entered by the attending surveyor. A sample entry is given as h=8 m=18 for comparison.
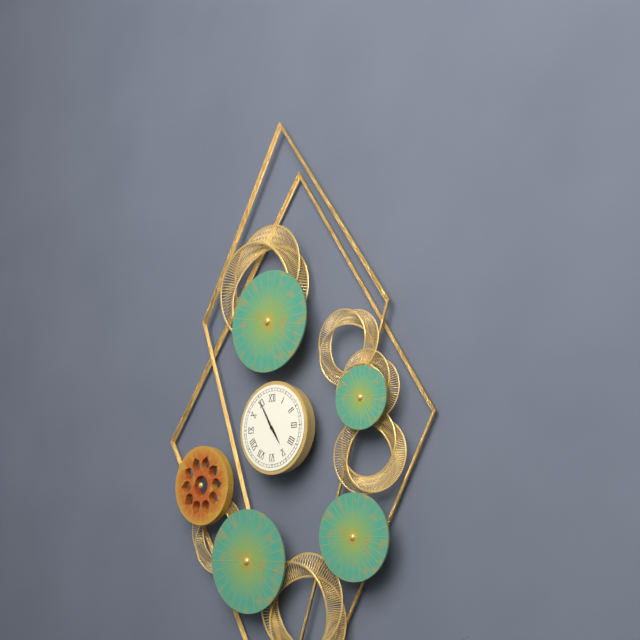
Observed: h=4 m=55
